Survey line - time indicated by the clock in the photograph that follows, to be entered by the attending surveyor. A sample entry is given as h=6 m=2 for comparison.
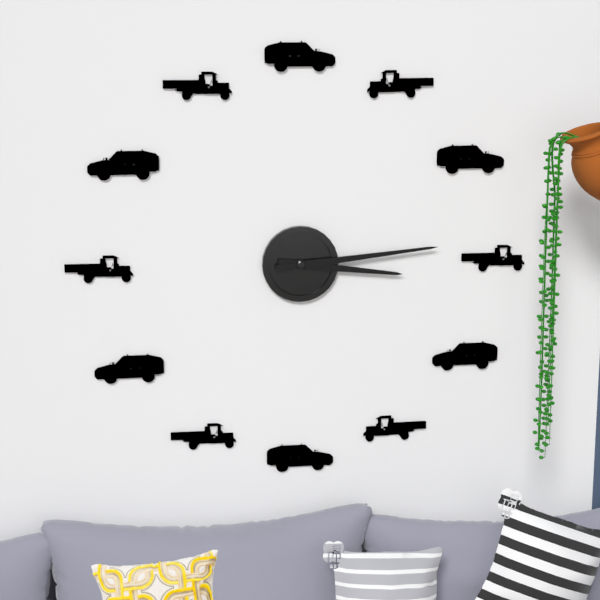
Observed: h=3 m=14
